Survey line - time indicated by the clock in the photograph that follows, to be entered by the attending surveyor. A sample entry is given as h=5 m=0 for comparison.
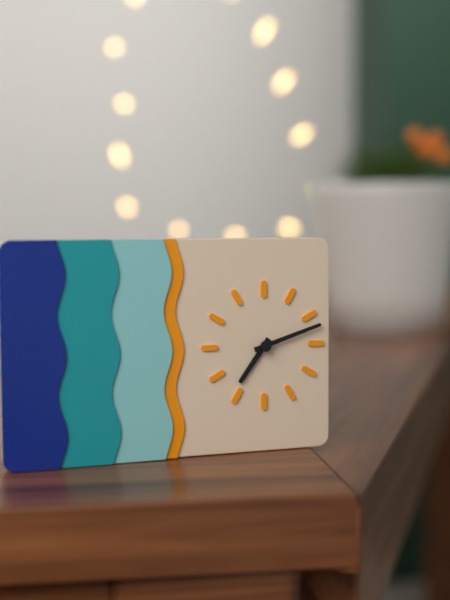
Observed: h=7 m=12
